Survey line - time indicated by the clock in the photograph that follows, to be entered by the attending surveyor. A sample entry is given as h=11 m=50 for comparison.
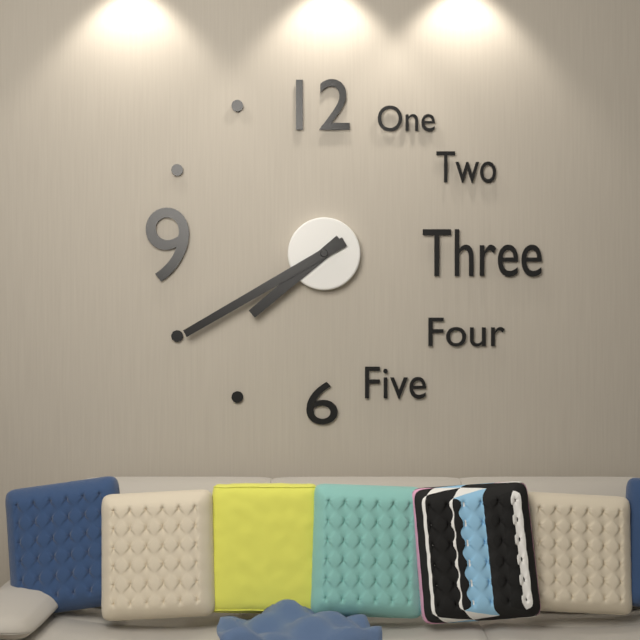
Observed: h=7 m=40
